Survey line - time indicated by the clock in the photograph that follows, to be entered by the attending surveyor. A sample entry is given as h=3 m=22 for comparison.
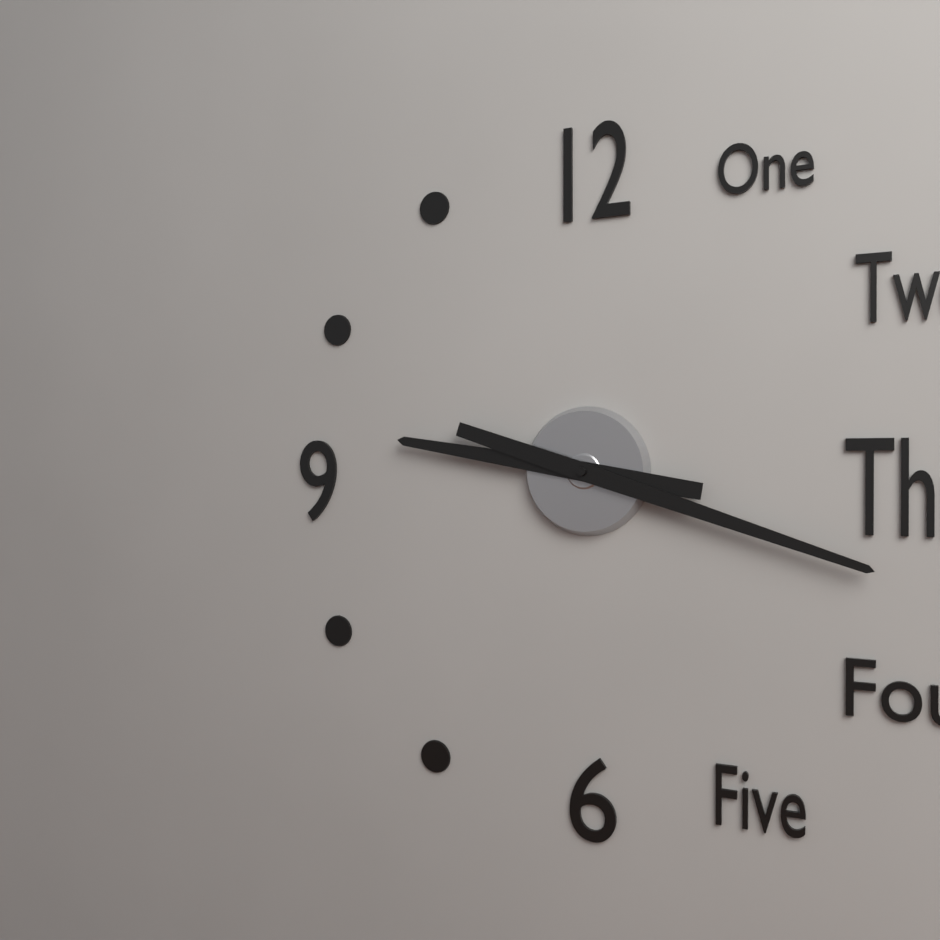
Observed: h=9 m=18
